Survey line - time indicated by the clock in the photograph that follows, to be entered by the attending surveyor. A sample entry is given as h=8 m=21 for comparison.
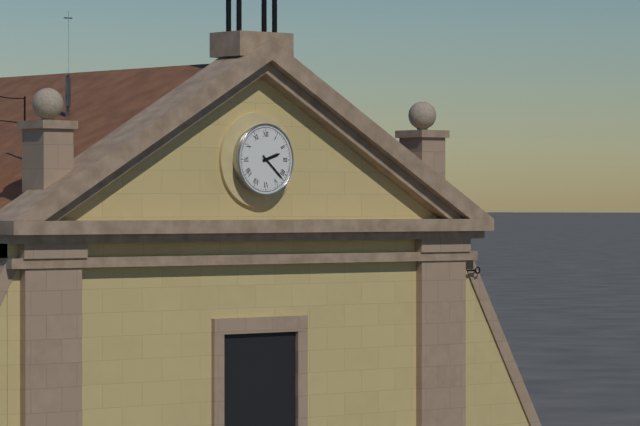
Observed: h=2 m=22
